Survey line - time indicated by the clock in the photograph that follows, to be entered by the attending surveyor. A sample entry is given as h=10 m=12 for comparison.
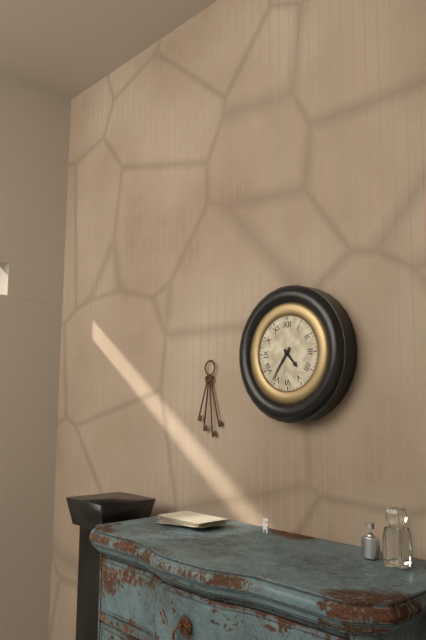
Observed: h=4 m=36
